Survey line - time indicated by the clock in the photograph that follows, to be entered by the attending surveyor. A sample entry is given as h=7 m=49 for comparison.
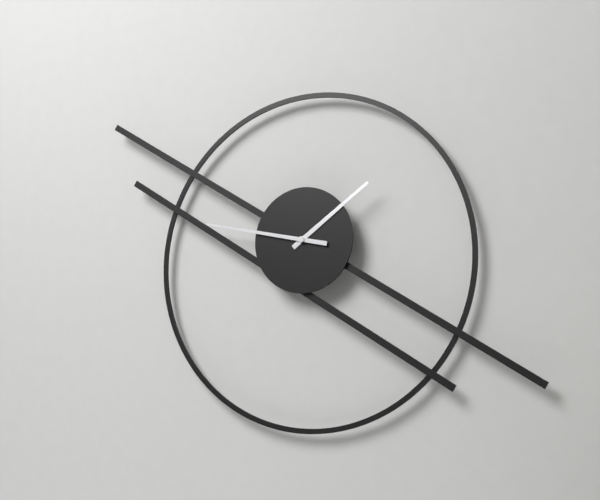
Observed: h=1 m=47
